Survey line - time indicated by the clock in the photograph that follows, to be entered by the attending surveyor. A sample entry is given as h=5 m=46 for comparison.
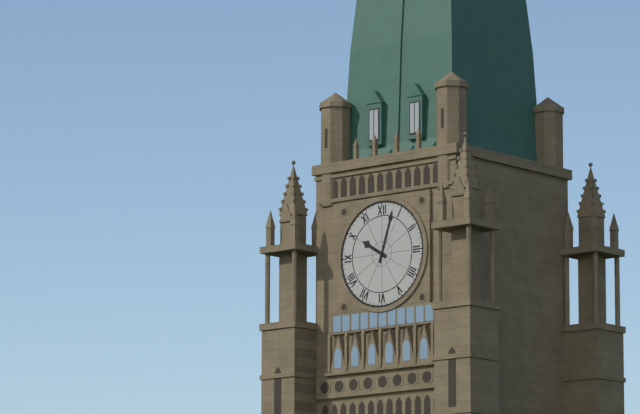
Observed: h=10 m=3
